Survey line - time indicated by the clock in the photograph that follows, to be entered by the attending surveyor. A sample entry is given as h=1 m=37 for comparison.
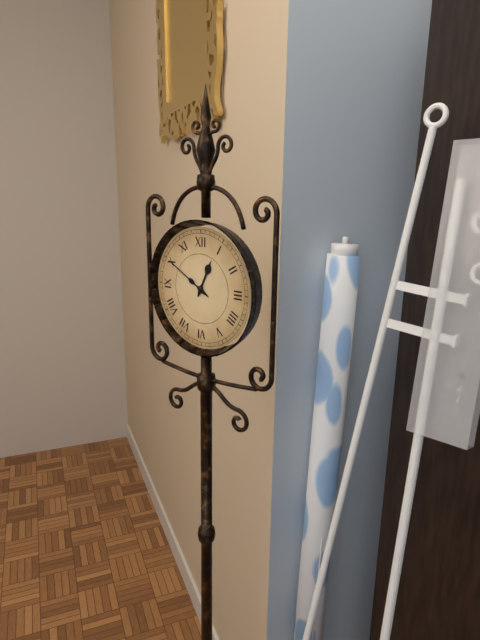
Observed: h=12 m=50
